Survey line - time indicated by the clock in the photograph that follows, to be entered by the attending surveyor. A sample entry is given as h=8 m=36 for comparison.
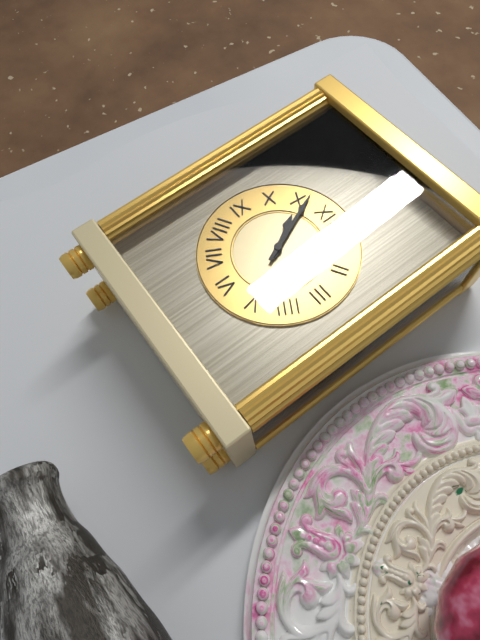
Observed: h=10 m=56
